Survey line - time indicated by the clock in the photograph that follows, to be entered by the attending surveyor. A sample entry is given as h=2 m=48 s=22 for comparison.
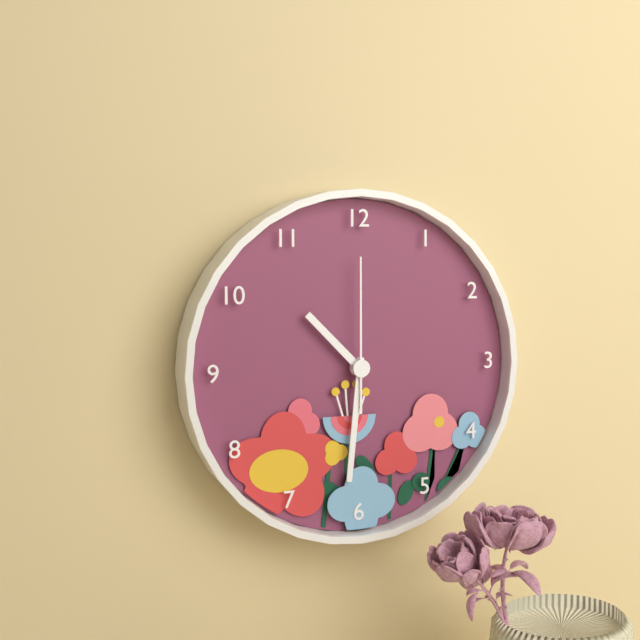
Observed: h=10 m=31 s=0
